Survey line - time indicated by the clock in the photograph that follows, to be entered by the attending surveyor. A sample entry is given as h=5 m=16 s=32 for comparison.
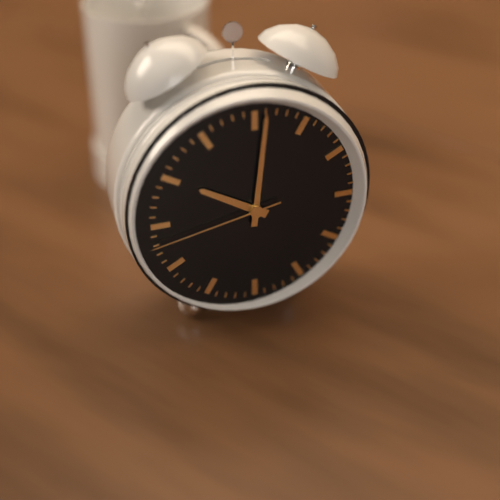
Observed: h=10 m=1 s=43
